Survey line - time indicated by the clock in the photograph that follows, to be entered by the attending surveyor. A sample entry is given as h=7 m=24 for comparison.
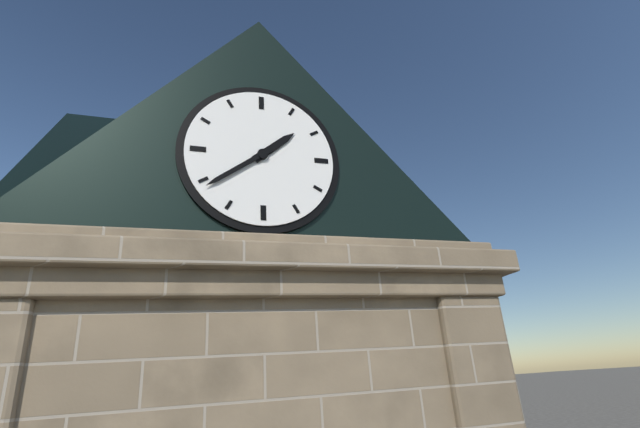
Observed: h=1 m=39
